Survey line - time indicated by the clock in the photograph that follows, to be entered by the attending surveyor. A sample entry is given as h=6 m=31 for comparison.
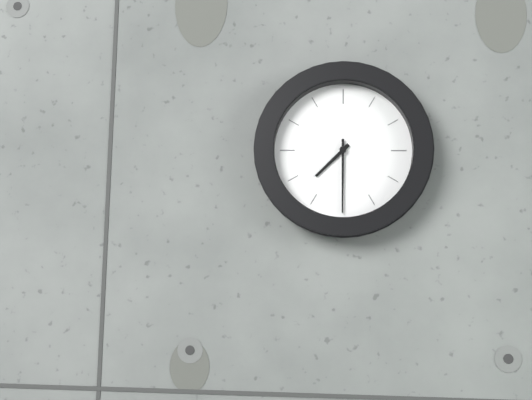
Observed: h=7 m=30
